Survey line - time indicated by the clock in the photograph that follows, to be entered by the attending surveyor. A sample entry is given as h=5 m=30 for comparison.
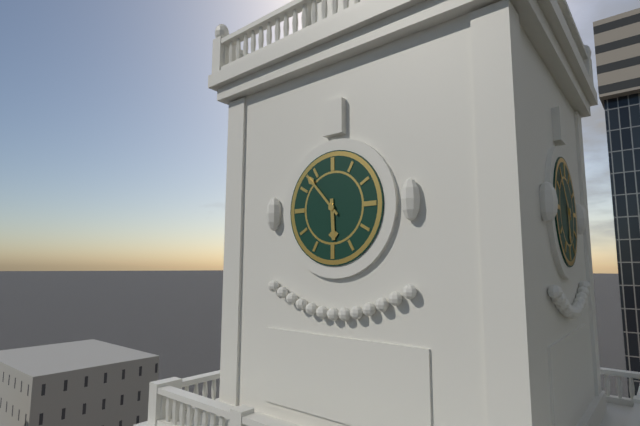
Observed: h=5 m=53
